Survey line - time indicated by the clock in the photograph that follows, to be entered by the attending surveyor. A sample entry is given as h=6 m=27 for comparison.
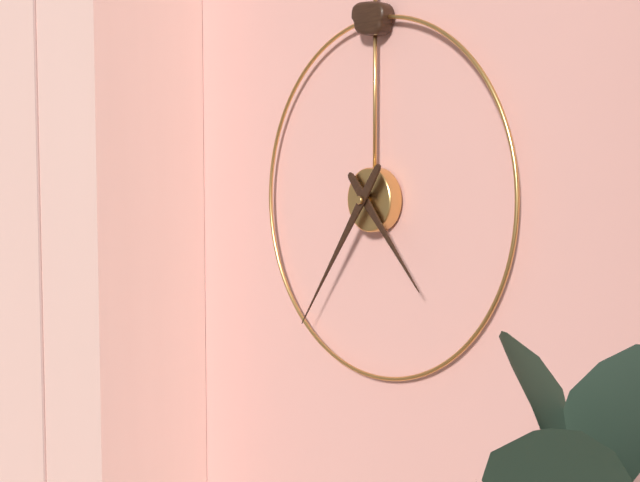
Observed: h=4 m=36
